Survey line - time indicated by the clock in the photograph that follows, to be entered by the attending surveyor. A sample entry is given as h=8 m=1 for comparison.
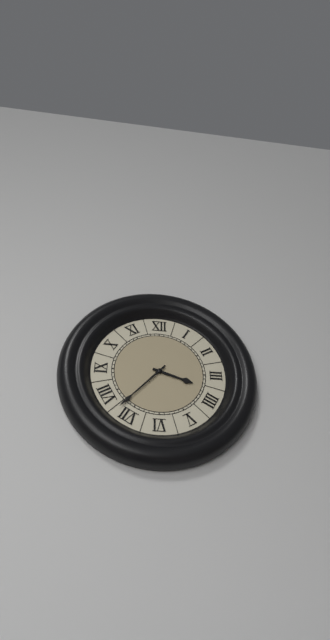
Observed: h=3 m=37
